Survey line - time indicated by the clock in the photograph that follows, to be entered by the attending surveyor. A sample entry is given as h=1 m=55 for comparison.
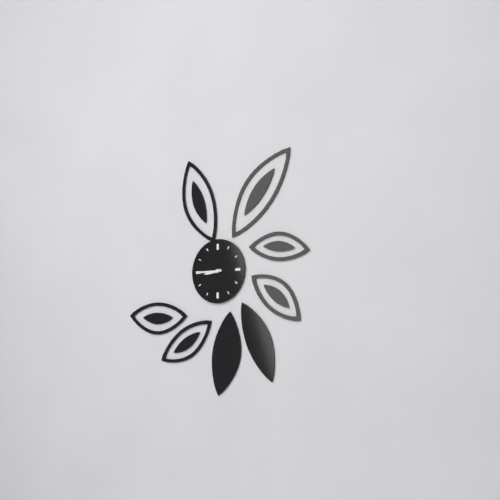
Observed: h=8 m=45
